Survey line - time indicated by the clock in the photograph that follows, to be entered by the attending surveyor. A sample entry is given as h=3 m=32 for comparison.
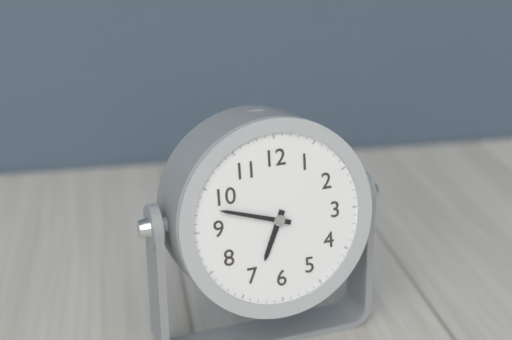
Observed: h=6 m=48
